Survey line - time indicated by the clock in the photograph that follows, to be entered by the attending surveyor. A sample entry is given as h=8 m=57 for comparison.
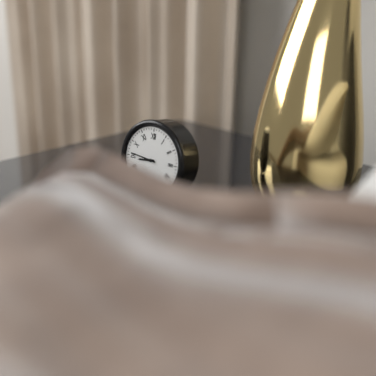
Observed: h=8 m=46
